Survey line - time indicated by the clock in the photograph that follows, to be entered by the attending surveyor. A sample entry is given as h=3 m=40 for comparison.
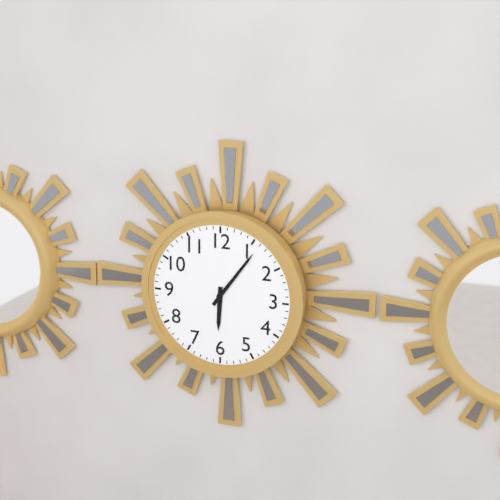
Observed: h=6 m=6
